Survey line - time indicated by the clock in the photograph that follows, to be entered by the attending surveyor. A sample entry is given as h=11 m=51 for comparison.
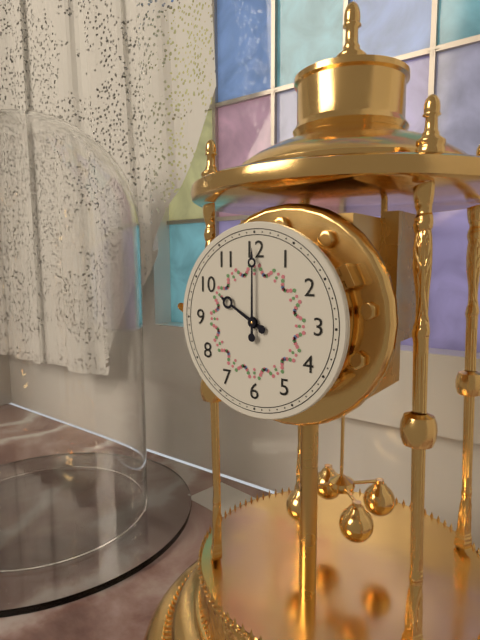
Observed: h=10 m=0
